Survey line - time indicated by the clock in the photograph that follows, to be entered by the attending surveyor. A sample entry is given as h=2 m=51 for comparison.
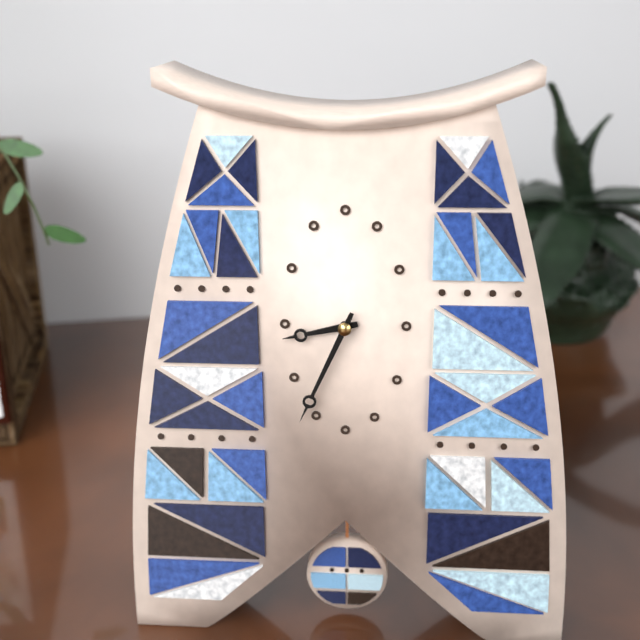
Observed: h=8 m=34
